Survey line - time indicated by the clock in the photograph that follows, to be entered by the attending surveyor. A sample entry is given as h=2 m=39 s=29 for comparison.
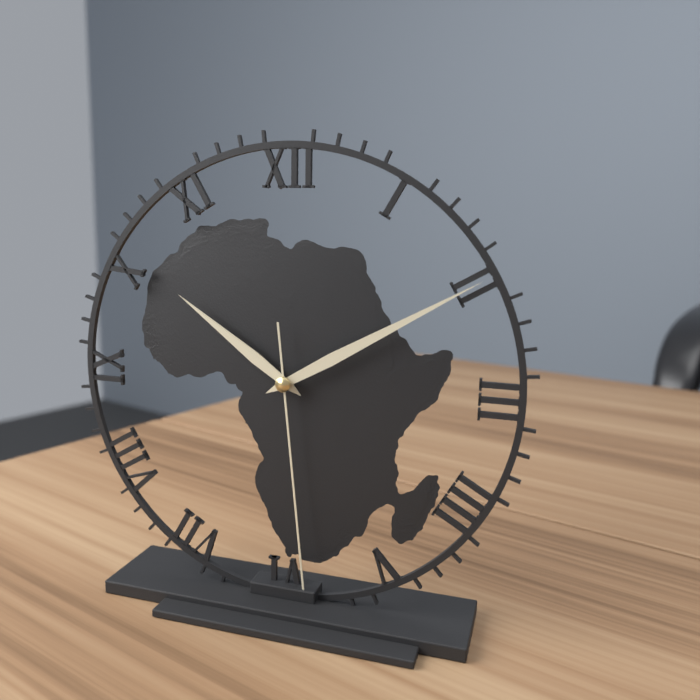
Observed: h=10 m=10 s=29
